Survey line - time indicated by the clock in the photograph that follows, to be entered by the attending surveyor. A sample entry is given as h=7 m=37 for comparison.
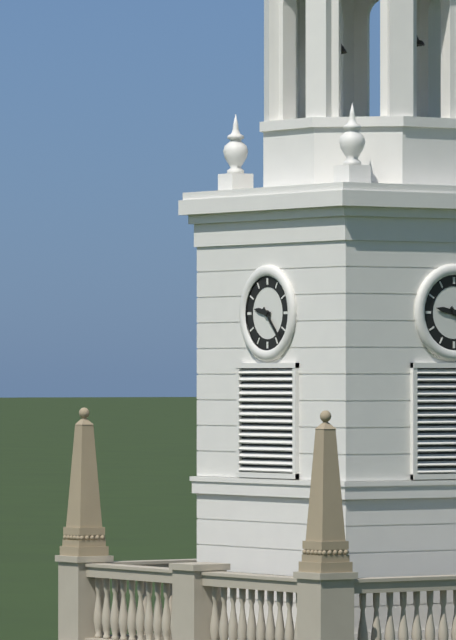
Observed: h=9 m=23
